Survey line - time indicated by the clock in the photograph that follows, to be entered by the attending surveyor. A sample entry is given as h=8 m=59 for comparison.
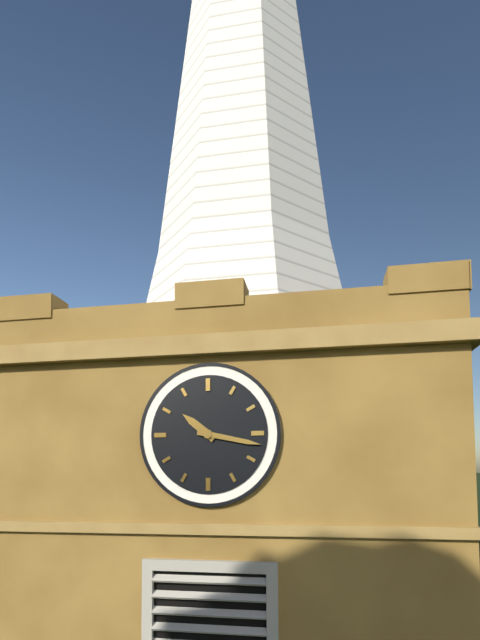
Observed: h=10 m=17
